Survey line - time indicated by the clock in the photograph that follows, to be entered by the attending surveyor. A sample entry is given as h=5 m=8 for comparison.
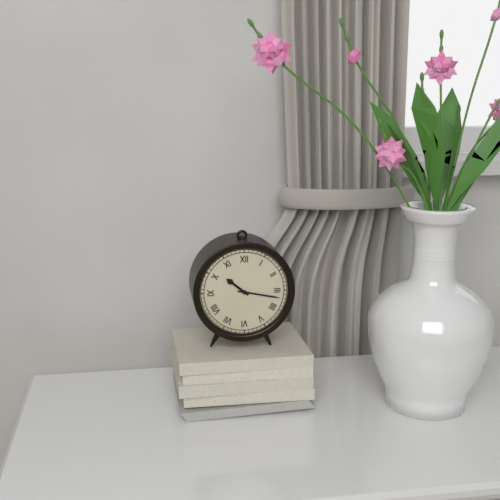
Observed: h=10 m=17
